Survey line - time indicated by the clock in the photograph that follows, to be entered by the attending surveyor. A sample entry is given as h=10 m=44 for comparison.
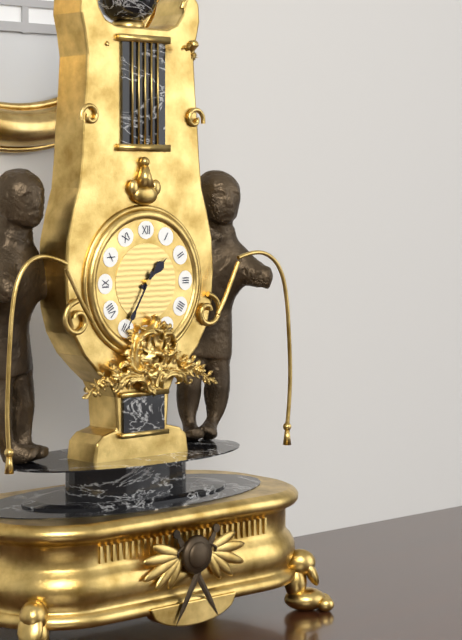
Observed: h=1 m=35
